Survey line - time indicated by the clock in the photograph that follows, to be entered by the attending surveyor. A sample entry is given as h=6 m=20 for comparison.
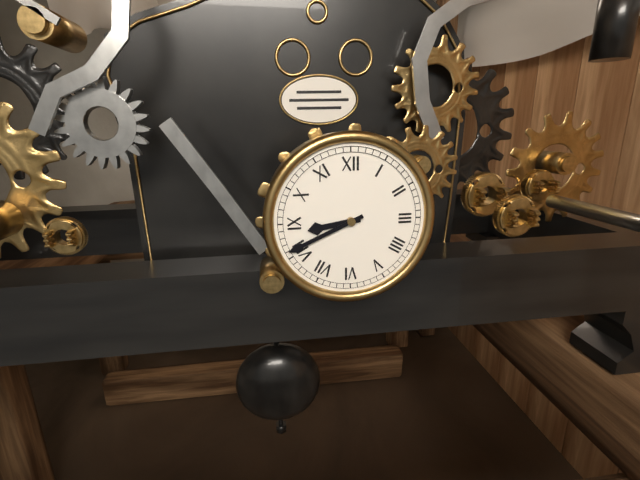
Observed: h=8 m=41
